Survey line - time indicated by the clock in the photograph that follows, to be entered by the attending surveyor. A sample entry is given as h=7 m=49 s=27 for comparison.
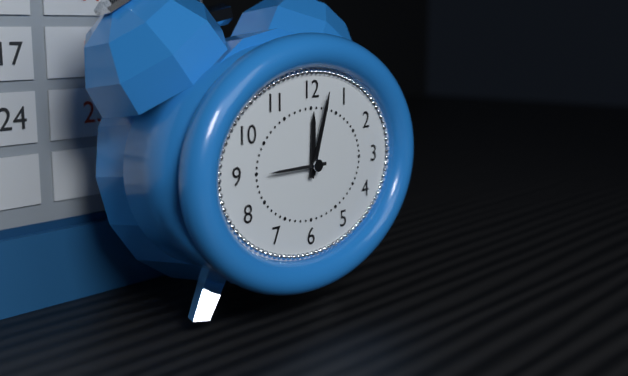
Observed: h=12 m=3 s=45
